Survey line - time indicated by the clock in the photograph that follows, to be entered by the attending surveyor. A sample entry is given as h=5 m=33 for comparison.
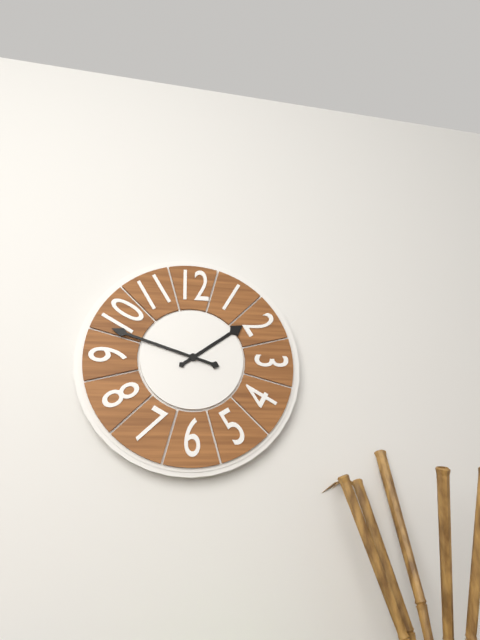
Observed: h=1 m=48
